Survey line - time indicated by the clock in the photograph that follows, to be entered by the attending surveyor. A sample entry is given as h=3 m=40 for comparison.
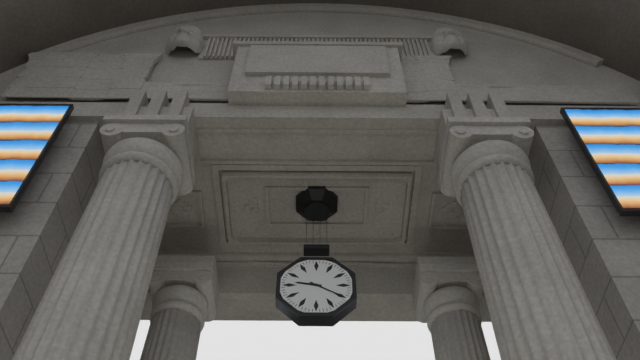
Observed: h=9 m=20
